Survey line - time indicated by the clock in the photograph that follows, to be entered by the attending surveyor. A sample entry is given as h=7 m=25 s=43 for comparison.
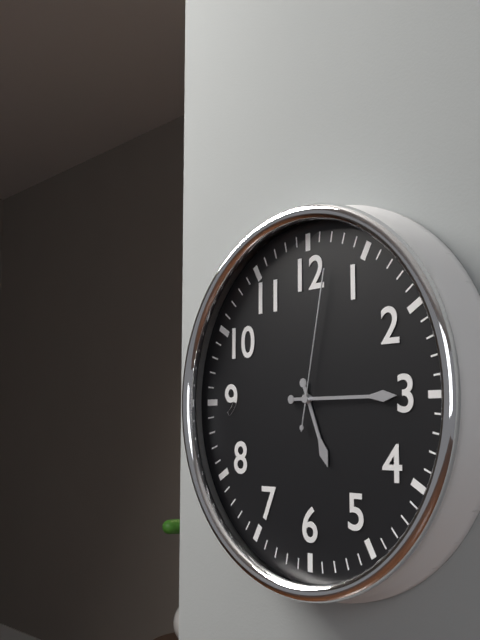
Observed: h=5 m=15 s=2
